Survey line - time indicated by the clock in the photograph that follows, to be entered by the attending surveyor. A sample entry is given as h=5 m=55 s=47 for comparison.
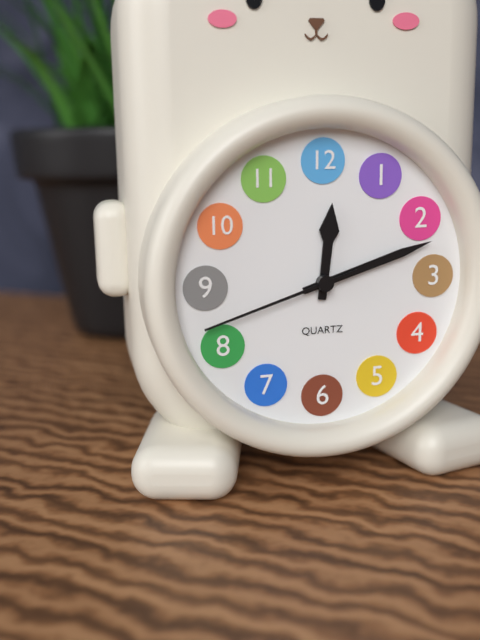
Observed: h=12 m=12 s=42
